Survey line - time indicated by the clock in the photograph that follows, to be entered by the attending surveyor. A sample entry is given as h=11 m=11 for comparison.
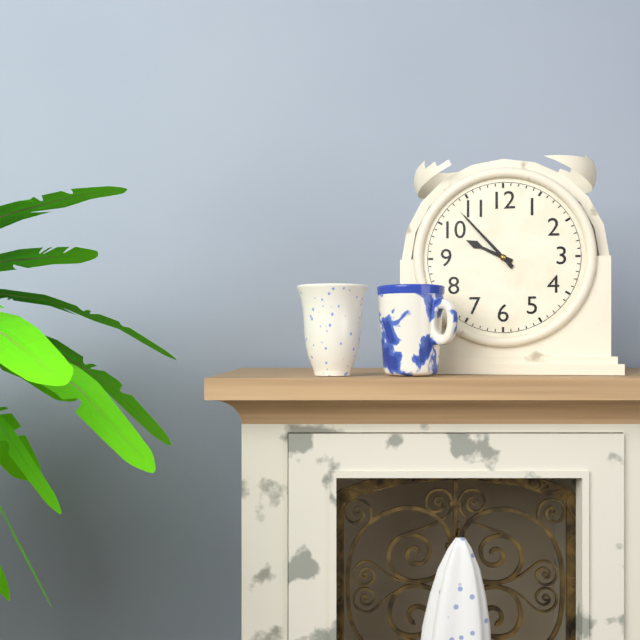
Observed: h=9 m=53
